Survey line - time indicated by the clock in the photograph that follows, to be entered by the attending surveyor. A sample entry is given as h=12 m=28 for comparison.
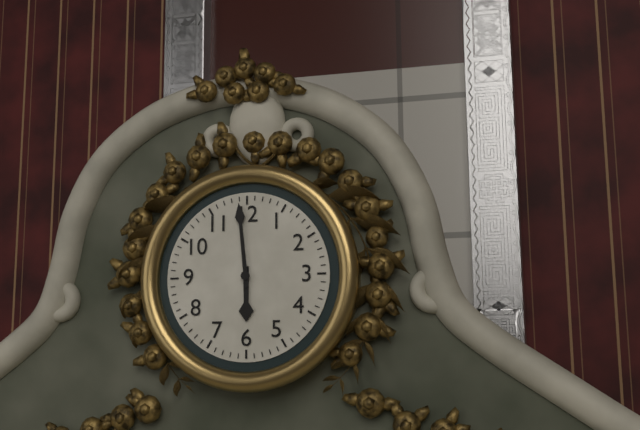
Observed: h=5 m=59
